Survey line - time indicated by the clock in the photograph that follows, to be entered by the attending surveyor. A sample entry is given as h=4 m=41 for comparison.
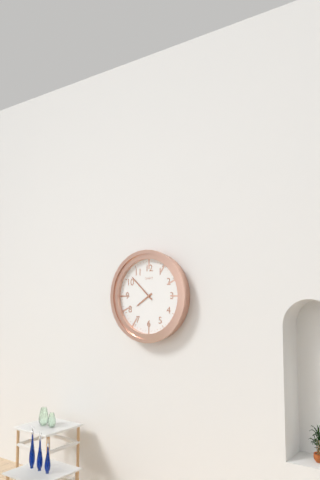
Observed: h=7 m=52
